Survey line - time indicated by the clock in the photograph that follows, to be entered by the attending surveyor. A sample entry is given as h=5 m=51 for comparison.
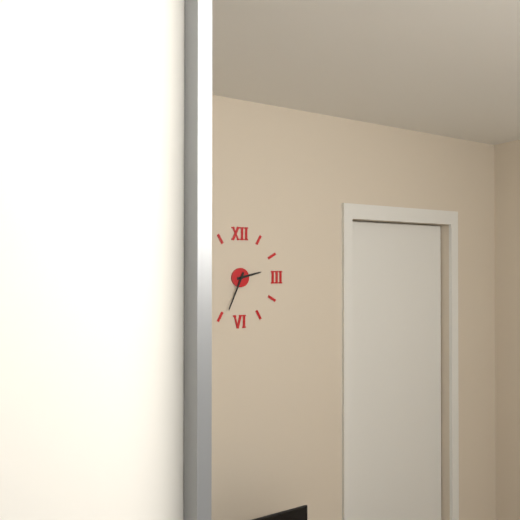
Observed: h=2 m=34
